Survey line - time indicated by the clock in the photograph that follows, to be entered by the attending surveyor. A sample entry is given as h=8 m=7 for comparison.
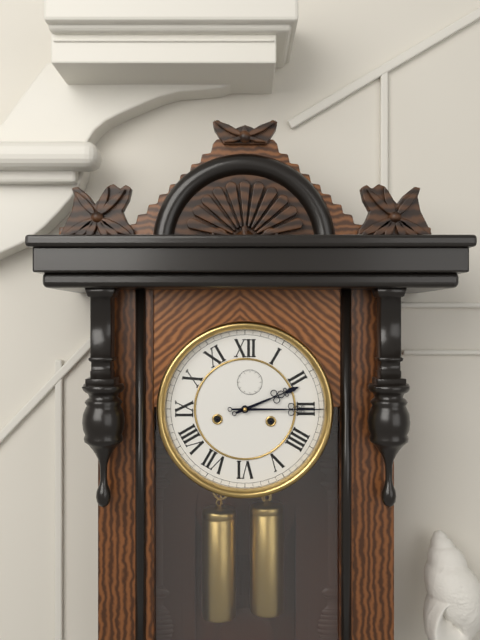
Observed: h=2 m=15
